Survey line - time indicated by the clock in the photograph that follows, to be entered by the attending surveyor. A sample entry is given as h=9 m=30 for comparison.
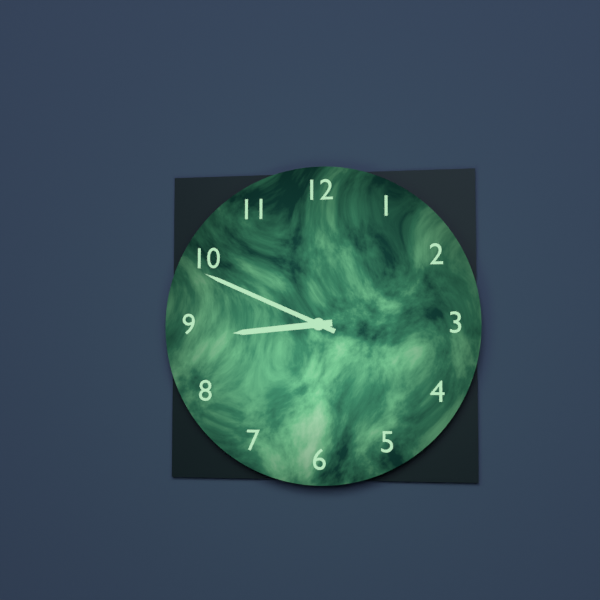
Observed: h=8 m=49
